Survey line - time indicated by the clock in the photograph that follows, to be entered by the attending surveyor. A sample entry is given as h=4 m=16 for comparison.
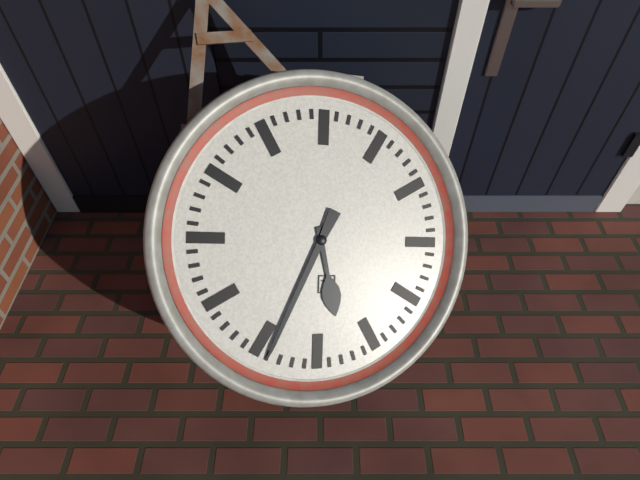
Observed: h=5 m=34
